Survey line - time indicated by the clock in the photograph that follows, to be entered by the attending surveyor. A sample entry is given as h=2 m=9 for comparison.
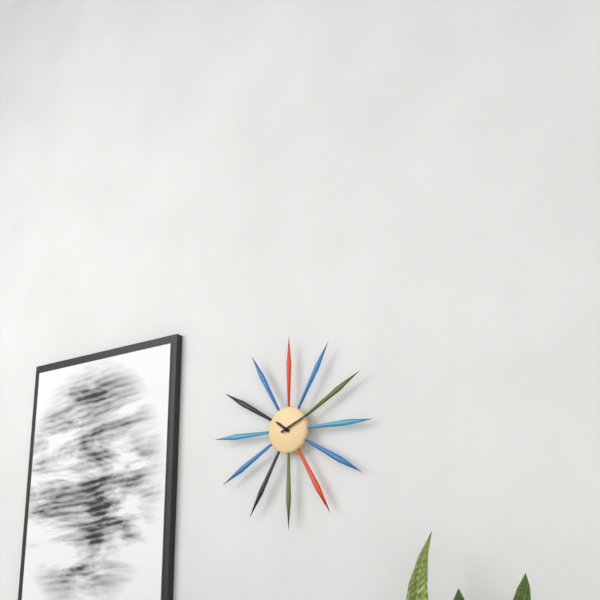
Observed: h=10 m=11
